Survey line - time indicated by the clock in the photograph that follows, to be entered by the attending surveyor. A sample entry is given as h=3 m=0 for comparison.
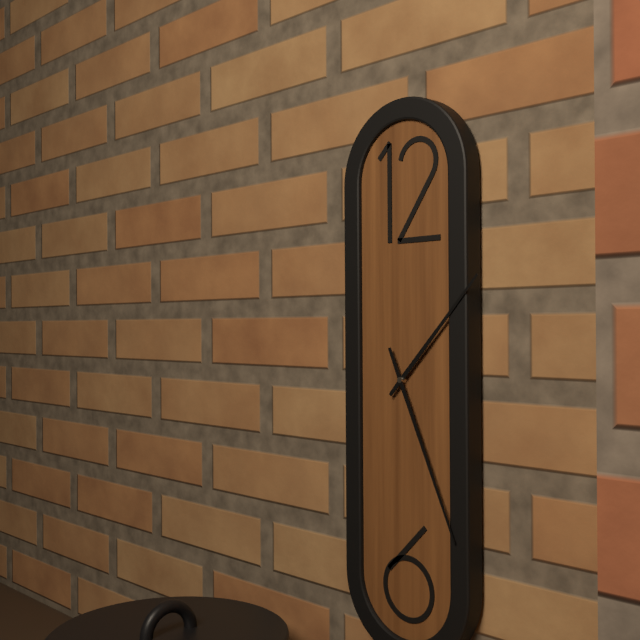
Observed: h=1 m=26
